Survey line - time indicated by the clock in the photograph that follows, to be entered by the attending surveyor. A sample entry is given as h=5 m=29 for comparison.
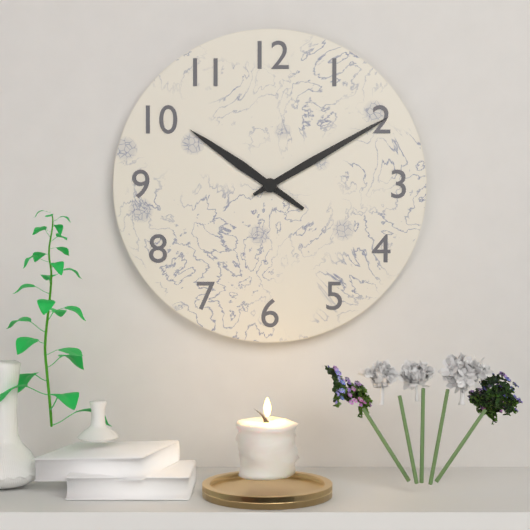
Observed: h=10 m=10
